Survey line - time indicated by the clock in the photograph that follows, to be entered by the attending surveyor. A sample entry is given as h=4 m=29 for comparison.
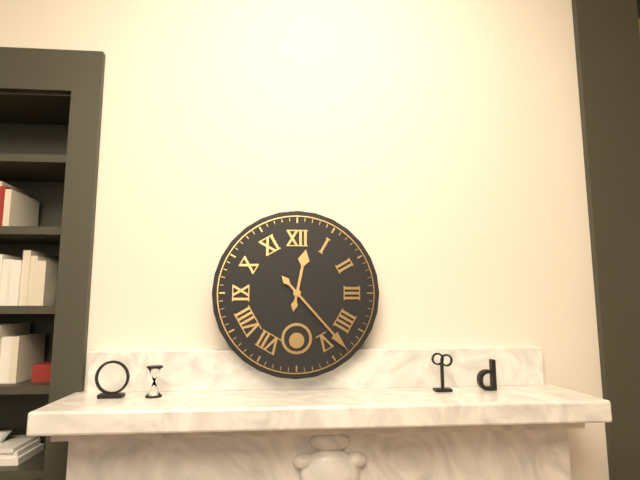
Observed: h=12 m=23
